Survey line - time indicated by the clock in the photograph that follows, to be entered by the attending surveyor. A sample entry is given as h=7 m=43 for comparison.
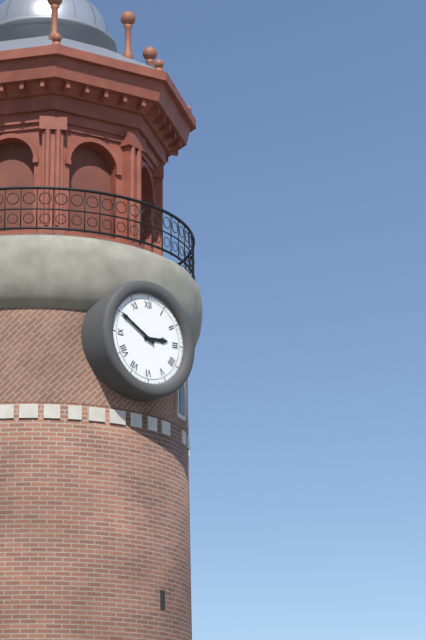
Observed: h=2 m=50
